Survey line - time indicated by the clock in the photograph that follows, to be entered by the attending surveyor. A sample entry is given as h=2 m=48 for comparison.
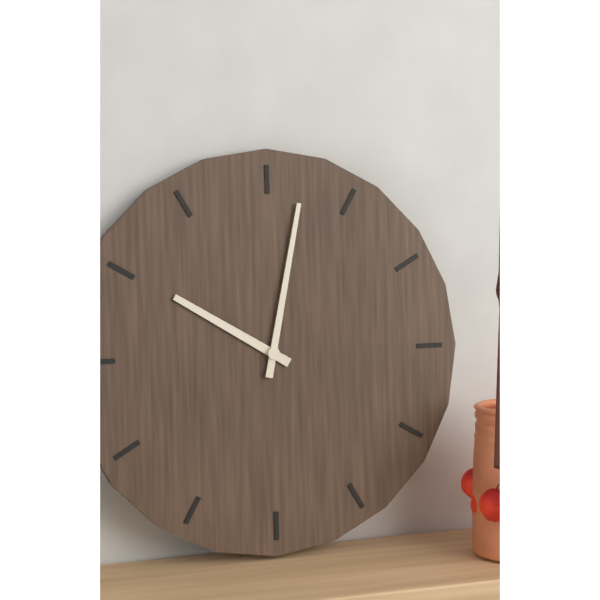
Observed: h=10 m=2
